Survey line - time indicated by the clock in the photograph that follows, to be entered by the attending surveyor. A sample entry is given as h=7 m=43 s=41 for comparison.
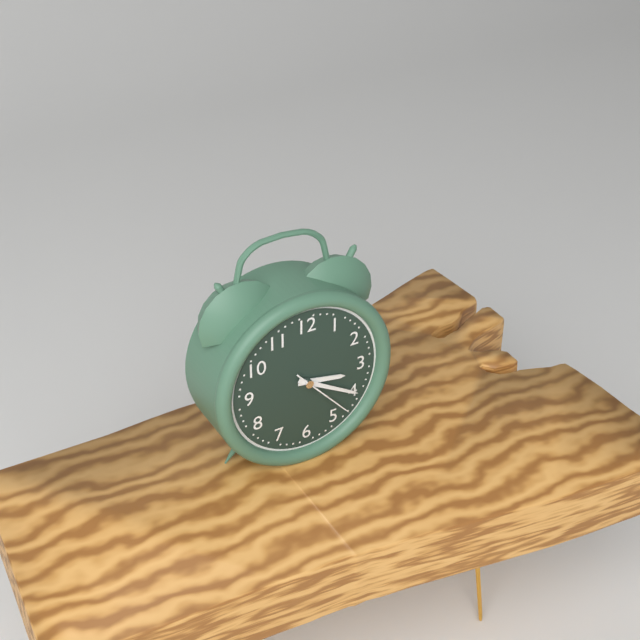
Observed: h=3 m=20 s=23
